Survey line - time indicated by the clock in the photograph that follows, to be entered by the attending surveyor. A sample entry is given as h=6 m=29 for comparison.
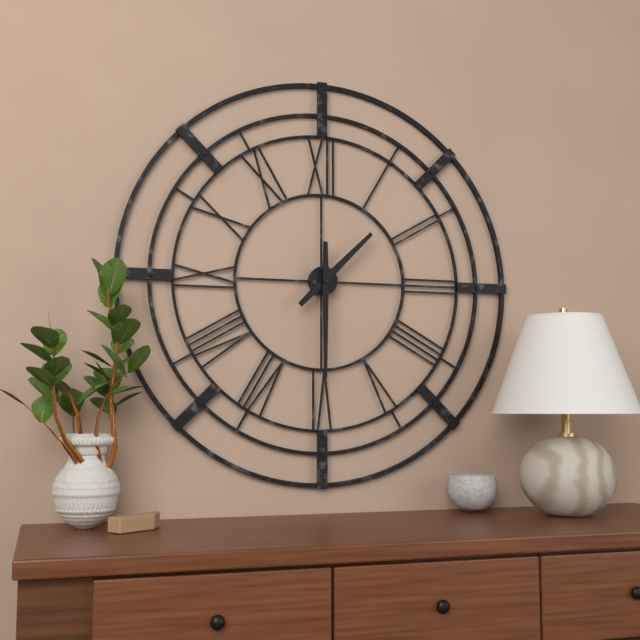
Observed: h=1 m=30
